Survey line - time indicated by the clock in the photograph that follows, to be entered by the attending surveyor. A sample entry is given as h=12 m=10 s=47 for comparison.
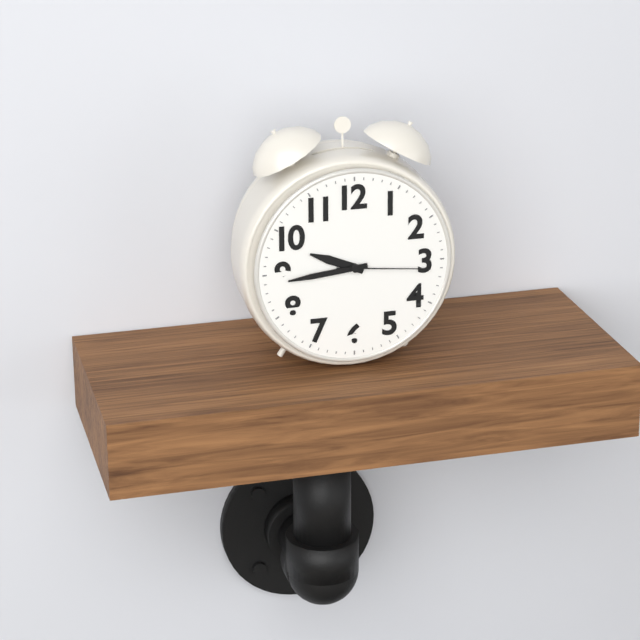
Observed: h=9 m=44 s=16
